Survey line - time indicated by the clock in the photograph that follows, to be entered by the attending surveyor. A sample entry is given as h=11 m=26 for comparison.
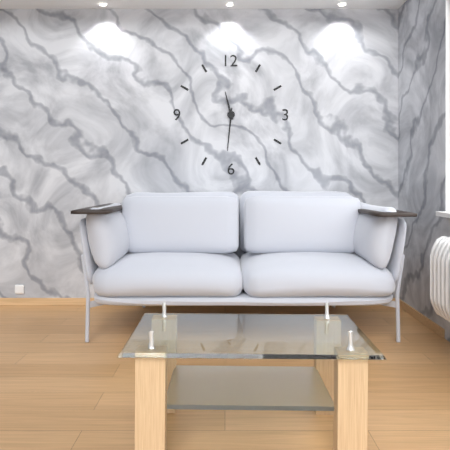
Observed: h=11 m=31
